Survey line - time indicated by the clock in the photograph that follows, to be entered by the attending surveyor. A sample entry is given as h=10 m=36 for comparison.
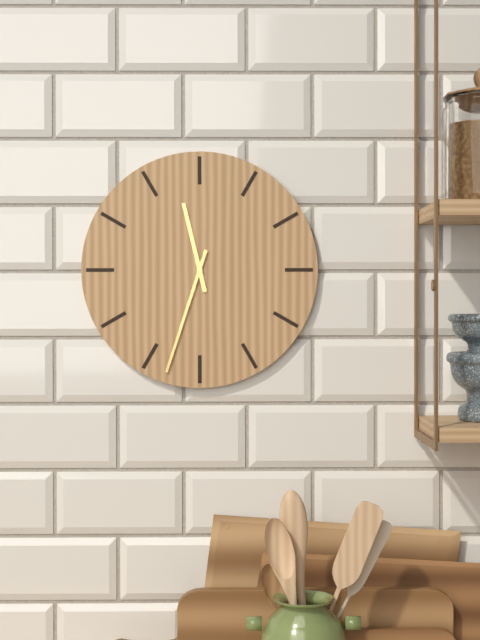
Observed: h=11 m=33
